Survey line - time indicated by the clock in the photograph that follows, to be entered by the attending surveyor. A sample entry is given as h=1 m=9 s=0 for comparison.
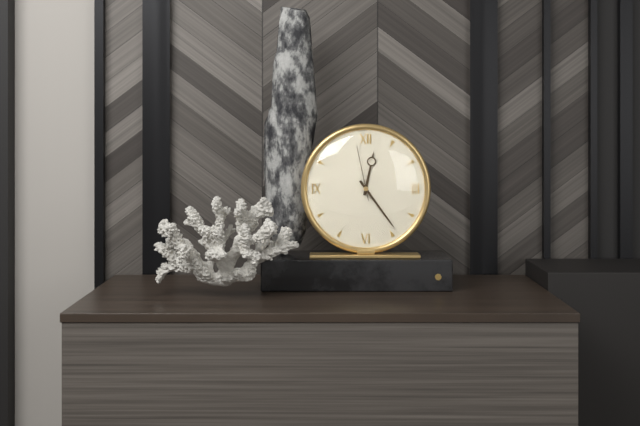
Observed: h=12 m=24 s=58
